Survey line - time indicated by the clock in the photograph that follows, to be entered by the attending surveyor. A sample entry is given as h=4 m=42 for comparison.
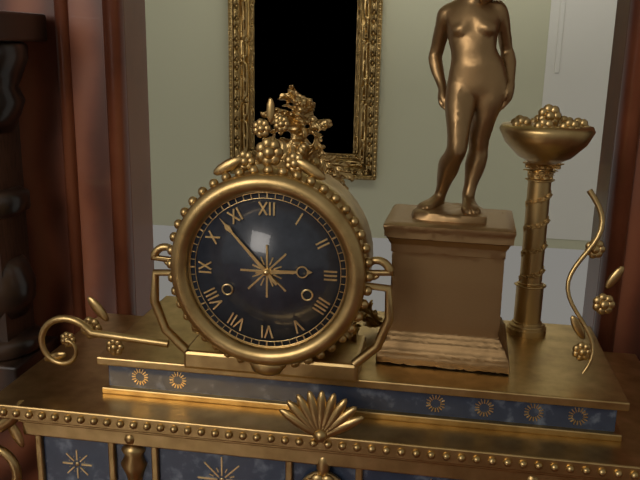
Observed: h=2 m=53
